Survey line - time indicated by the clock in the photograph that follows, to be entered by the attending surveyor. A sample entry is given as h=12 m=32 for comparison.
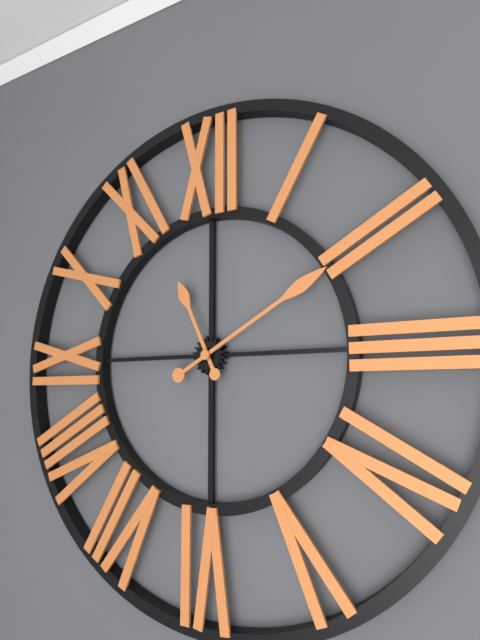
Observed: h=11 m=10
